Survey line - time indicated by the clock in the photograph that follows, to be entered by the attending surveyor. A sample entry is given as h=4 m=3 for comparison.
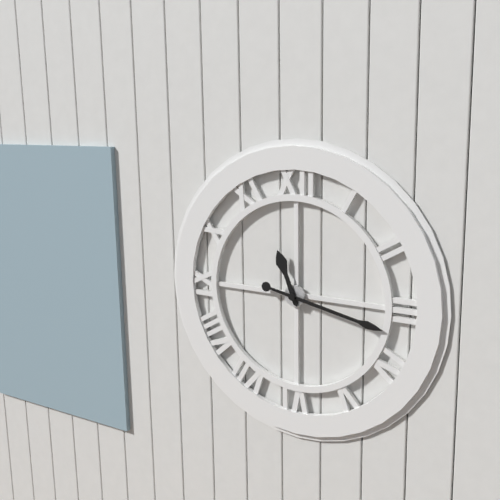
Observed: h=11 m=17
